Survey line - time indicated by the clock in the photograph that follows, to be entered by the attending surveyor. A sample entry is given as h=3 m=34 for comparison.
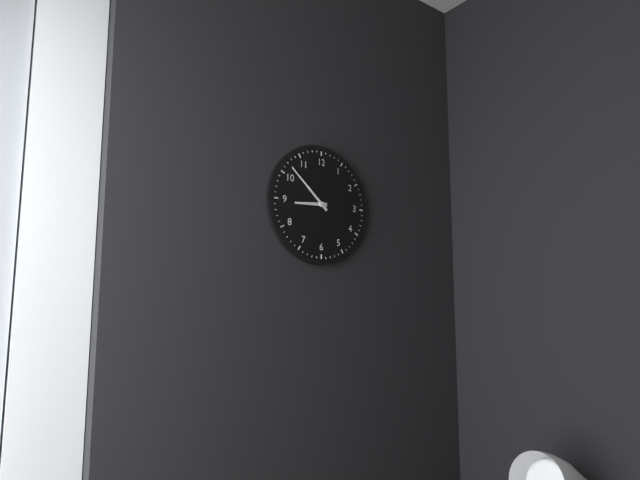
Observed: h=8 m=52
